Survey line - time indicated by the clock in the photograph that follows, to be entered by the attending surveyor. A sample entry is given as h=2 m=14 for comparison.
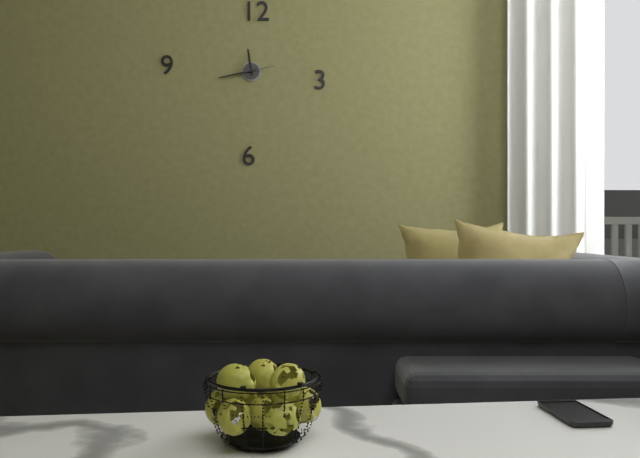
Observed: h=11 m=43
